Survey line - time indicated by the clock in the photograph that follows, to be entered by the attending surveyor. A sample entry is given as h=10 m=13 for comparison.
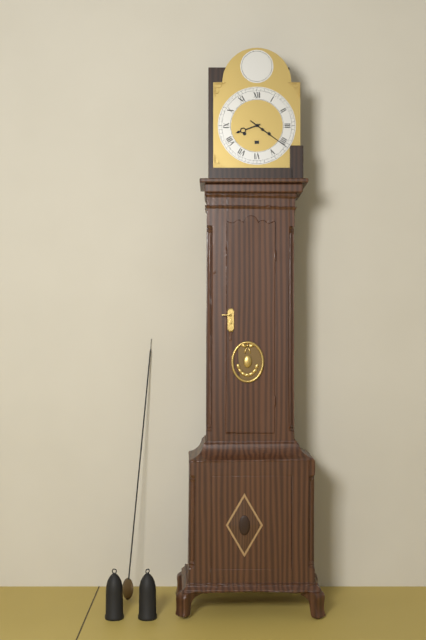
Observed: h=8 m=21
